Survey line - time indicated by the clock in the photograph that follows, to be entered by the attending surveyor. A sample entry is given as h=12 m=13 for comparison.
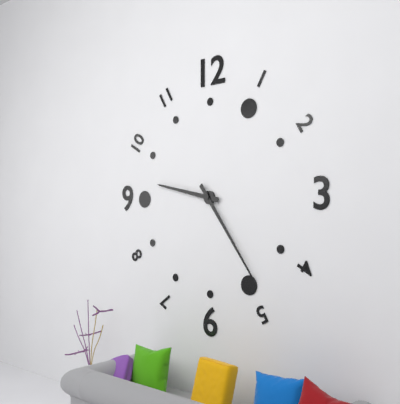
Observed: h=9 m=24
